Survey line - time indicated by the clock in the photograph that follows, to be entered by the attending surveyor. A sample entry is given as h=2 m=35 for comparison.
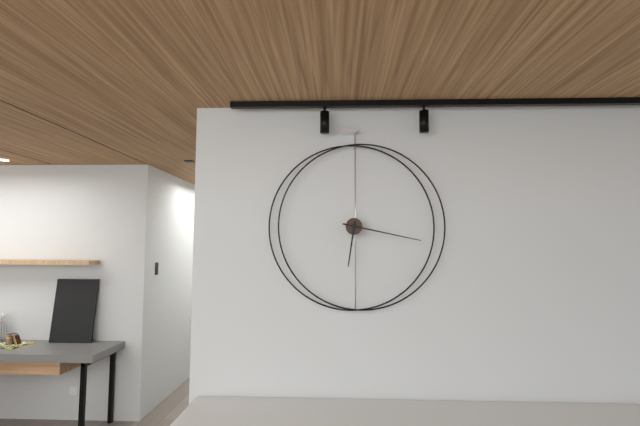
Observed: h=6 m=17
